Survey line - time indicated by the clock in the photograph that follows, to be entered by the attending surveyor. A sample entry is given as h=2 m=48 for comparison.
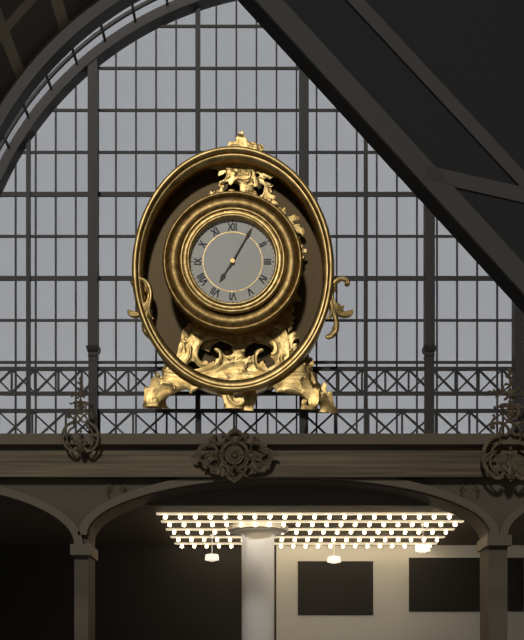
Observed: h=7 m=5
